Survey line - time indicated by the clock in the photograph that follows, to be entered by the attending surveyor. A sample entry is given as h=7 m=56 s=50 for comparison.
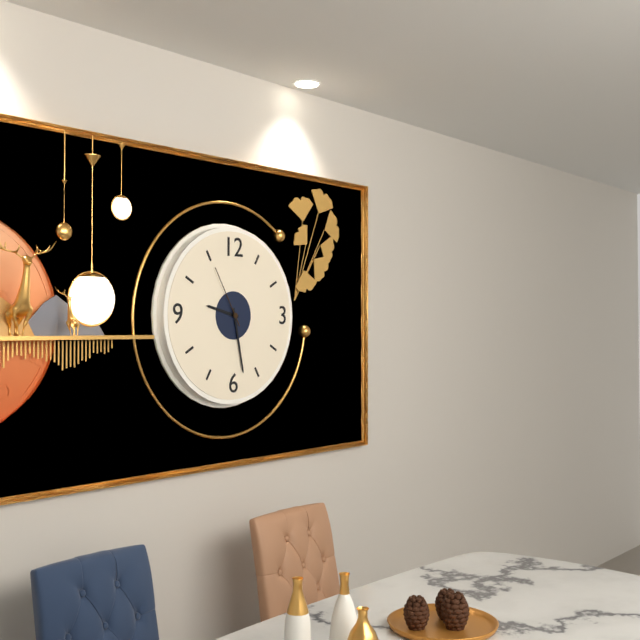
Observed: h=9 m=28 s=55
